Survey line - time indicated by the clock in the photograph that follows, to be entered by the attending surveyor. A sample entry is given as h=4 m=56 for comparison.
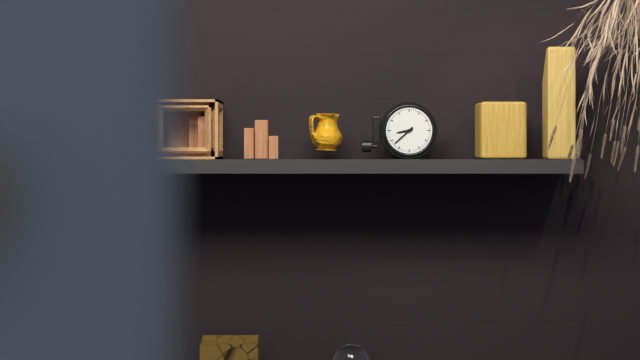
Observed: h=8 m=38
